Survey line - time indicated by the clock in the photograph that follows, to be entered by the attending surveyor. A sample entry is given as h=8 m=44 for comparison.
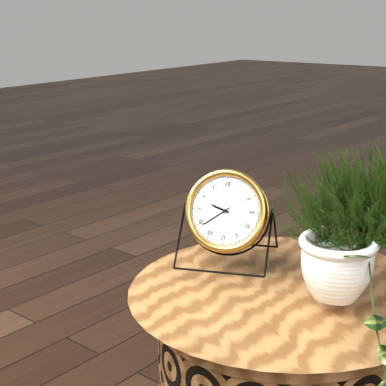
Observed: h=9 m=39
